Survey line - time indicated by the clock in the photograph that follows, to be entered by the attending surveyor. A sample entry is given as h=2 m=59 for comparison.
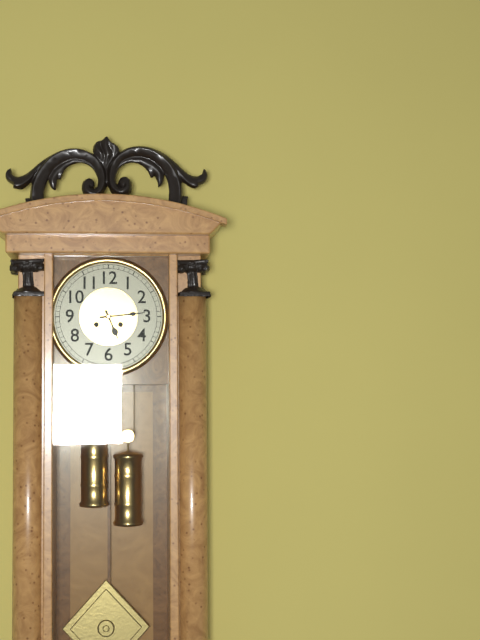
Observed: h=5 m=14
